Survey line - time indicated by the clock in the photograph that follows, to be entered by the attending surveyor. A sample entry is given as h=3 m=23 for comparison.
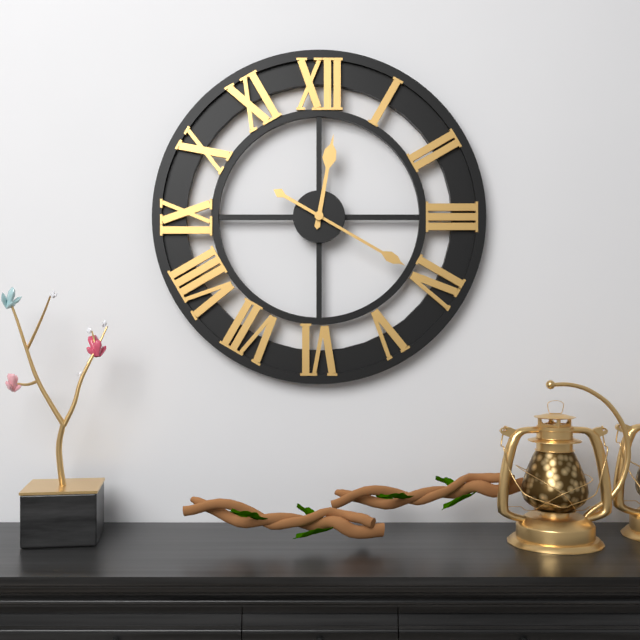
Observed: h=12 m=20
